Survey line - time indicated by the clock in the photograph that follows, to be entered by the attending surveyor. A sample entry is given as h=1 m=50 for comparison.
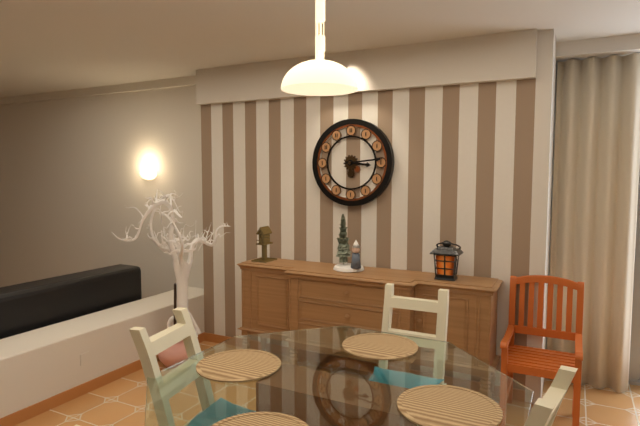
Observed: h=3 m=14
